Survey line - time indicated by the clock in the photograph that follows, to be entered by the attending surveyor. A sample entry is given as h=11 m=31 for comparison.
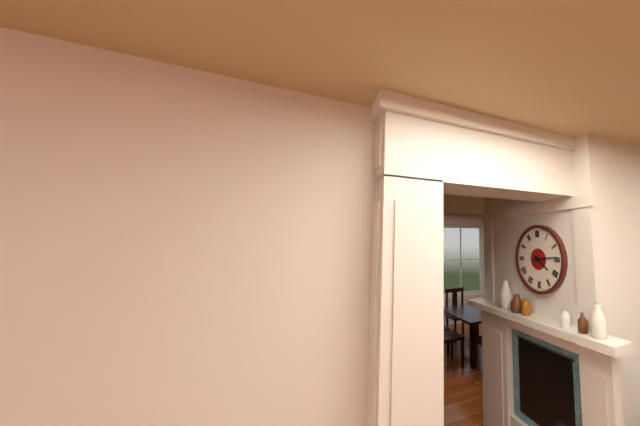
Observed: h=4 m=14
